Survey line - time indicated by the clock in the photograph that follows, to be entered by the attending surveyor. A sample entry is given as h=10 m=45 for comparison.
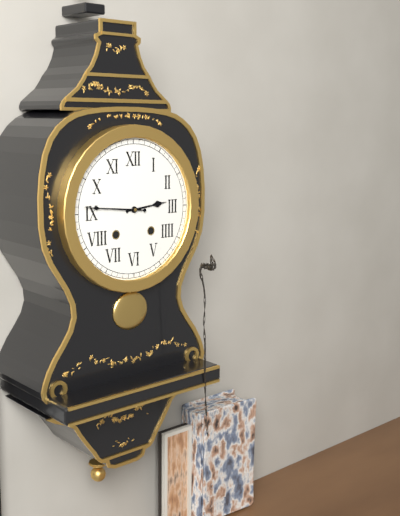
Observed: h=2 m=46
